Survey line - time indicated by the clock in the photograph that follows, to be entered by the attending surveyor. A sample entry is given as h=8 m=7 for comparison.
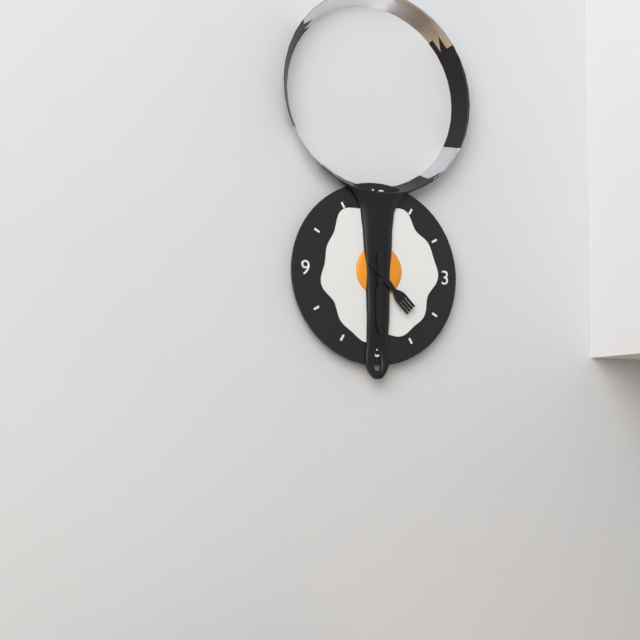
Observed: h=4 m=30
